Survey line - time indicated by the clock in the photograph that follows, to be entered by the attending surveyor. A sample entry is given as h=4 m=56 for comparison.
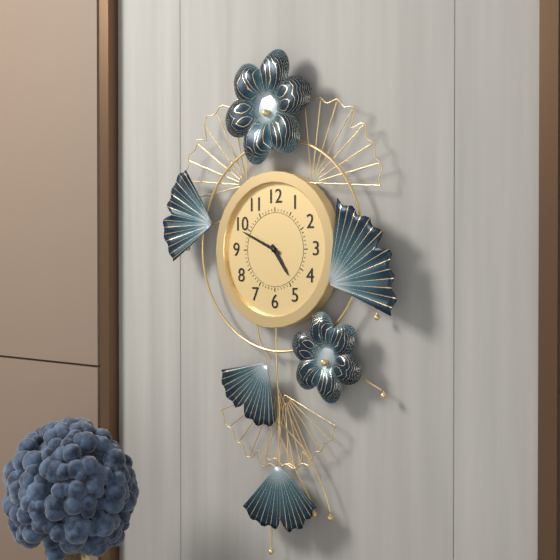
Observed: h=4 m=49
